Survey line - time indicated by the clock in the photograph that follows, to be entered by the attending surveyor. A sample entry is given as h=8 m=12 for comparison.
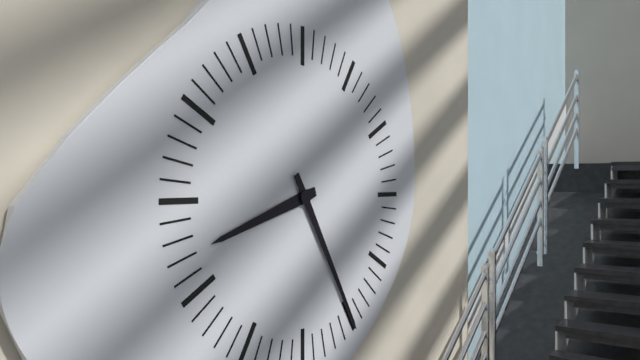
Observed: h=8 m=25
